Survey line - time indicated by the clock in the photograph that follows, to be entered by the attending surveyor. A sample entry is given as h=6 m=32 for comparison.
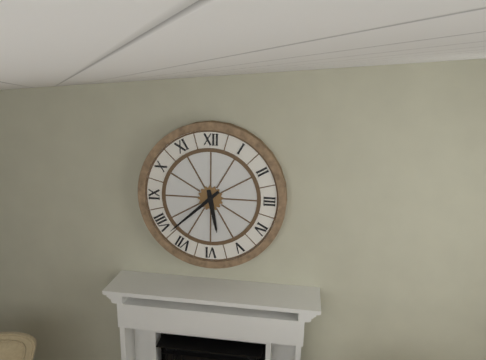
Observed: h=5 m=38
